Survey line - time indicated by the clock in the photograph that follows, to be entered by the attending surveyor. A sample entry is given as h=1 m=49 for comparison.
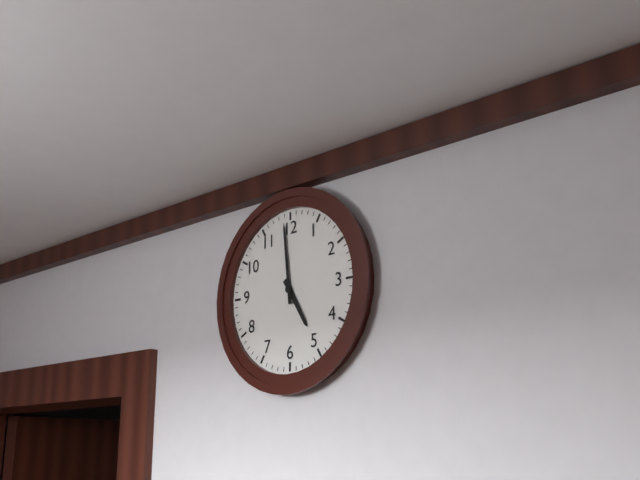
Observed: h=4 m=59
